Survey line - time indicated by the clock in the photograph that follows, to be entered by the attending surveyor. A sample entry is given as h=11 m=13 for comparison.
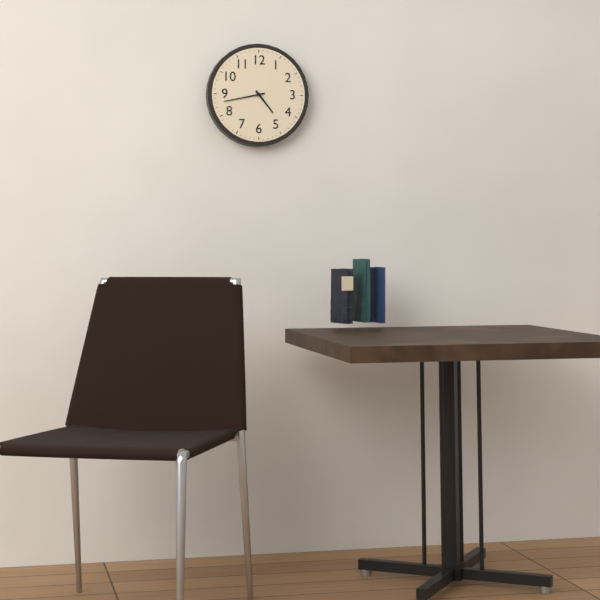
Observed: h=4 m=43
